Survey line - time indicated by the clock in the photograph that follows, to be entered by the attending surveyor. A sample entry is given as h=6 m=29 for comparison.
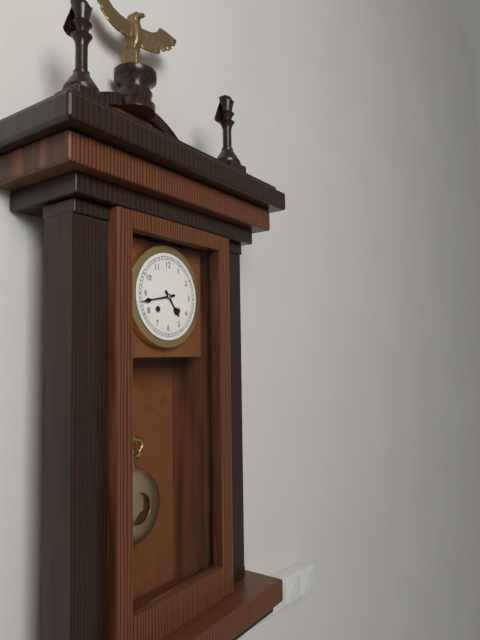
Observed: h=4 m=43
